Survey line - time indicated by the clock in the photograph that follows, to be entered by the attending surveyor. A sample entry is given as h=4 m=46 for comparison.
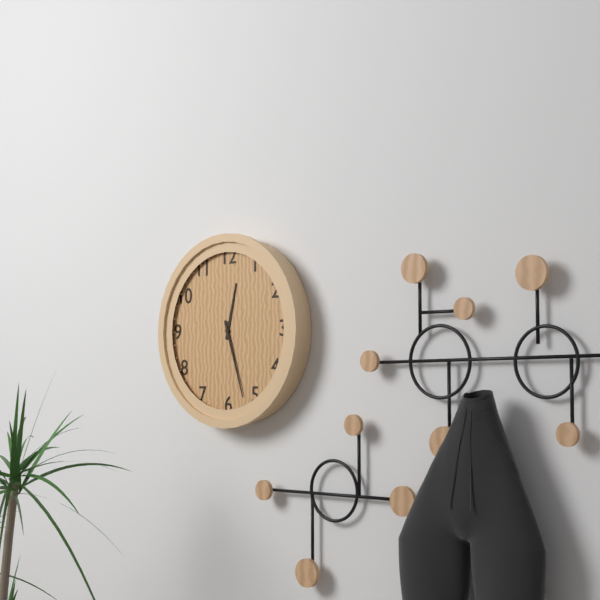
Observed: h=12 m=27
